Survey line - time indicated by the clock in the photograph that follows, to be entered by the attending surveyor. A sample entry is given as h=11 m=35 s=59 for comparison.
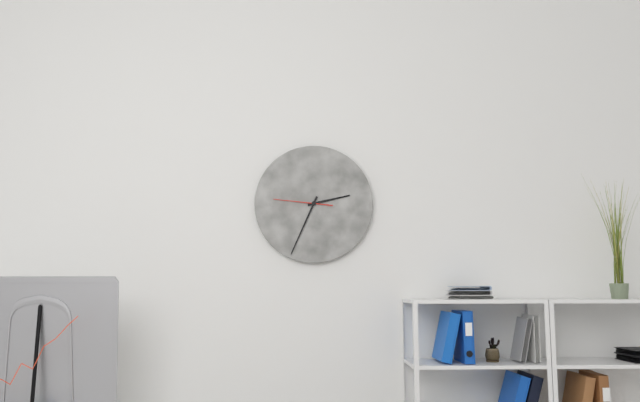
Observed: h=2 m=34 s=46
